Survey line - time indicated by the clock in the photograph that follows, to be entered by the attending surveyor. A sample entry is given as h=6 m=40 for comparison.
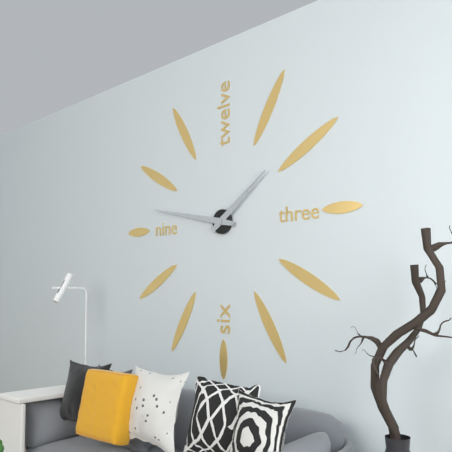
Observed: h=1 m=47
